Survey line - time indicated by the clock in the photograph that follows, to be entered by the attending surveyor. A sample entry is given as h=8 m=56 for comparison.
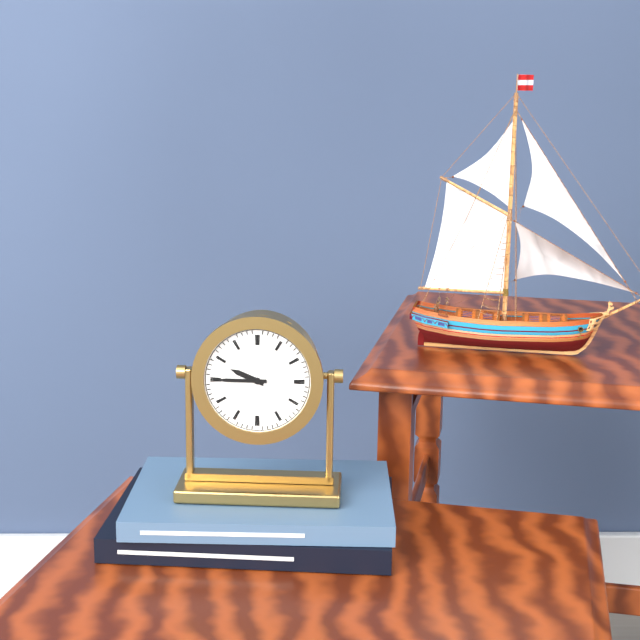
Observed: h=9 m=45
